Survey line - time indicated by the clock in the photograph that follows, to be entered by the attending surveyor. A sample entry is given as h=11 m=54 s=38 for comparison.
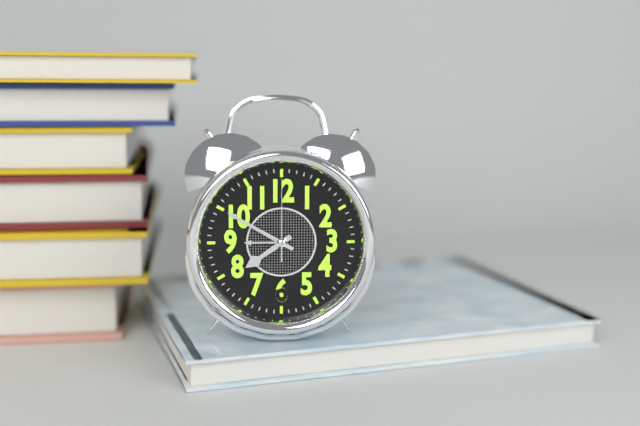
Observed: h=7 m=50 s=0
